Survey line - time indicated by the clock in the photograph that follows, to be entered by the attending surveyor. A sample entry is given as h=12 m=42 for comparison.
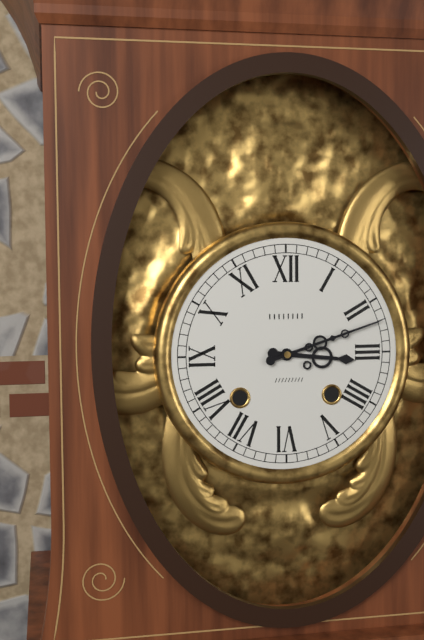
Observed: h=3 m=12
